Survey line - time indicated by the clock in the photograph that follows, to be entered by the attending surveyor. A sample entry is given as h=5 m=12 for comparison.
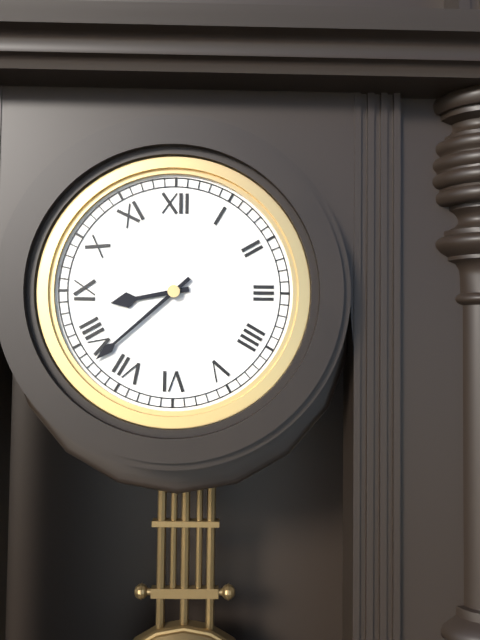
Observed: h=8 m=38
